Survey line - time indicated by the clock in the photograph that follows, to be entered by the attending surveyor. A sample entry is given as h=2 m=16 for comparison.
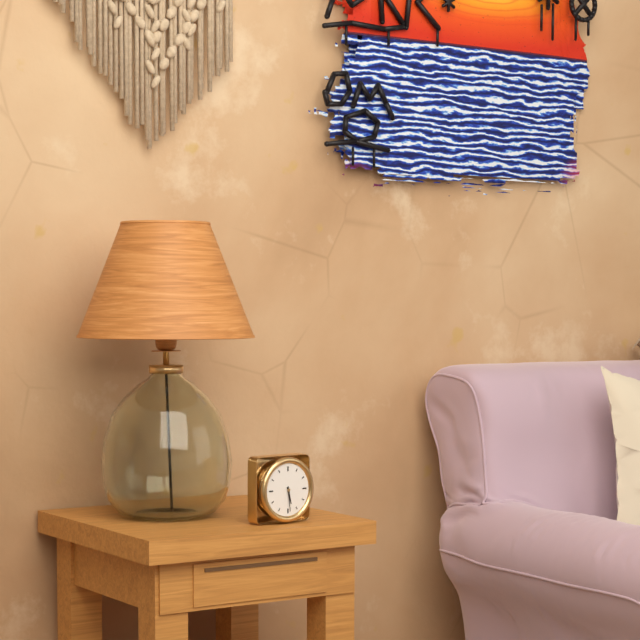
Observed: h=5 m=29
